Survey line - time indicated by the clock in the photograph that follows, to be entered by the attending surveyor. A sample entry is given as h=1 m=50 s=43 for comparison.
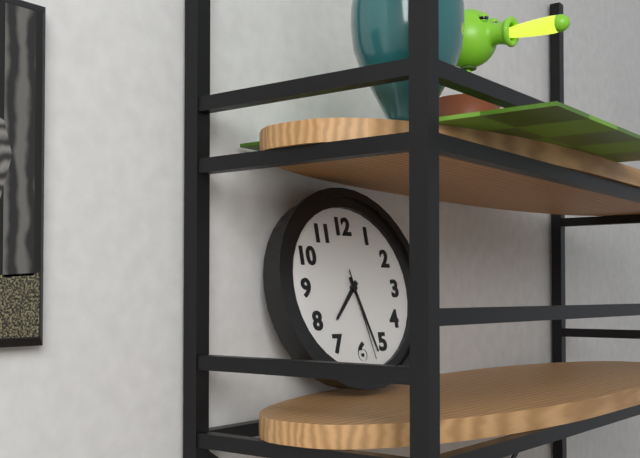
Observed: h=7 m=27 s=28
